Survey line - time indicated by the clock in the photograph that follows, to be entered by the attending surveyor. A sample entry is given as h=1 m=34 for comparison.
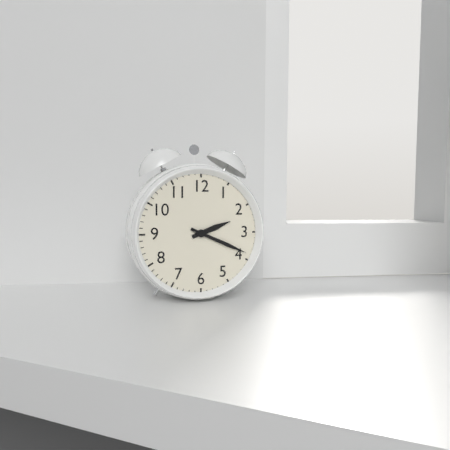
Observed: h=2 m=19
